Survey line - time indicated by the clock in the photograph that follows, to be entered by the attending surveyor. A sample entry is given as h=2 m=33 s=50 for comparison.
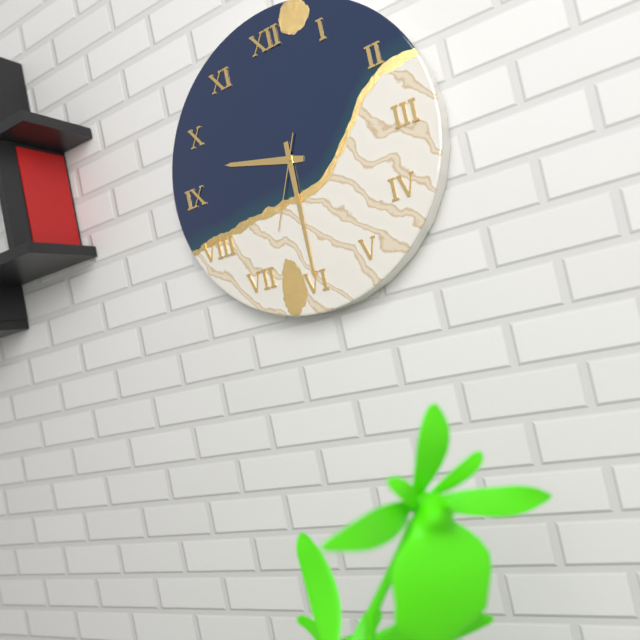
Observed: h=9 m=30 s=34
